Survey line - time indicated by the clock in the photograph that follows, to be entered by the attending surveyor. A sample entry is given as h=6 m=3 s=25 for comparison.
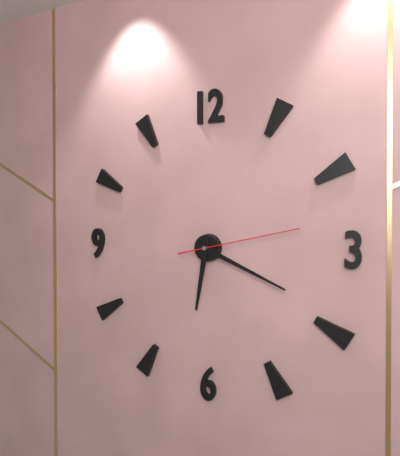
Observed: h=6 m=19 s=13
